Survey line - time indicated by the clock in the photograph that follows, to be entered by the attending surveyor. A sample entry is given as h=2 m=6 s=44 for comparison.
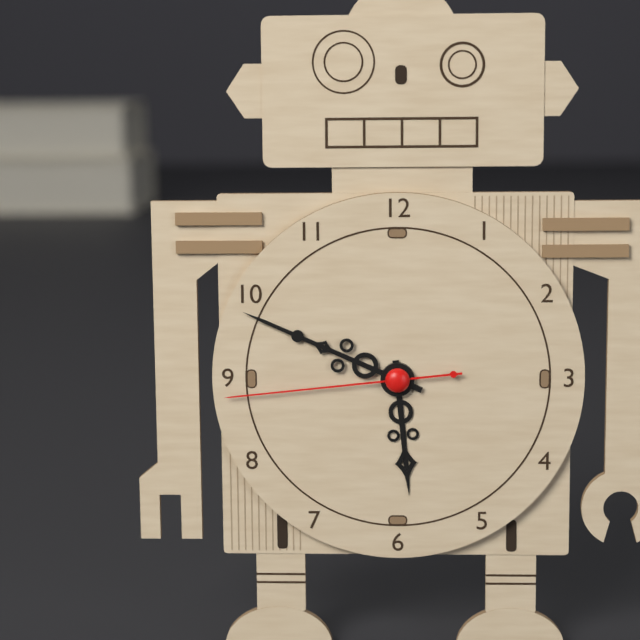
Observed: h=5 m=49 s=44
